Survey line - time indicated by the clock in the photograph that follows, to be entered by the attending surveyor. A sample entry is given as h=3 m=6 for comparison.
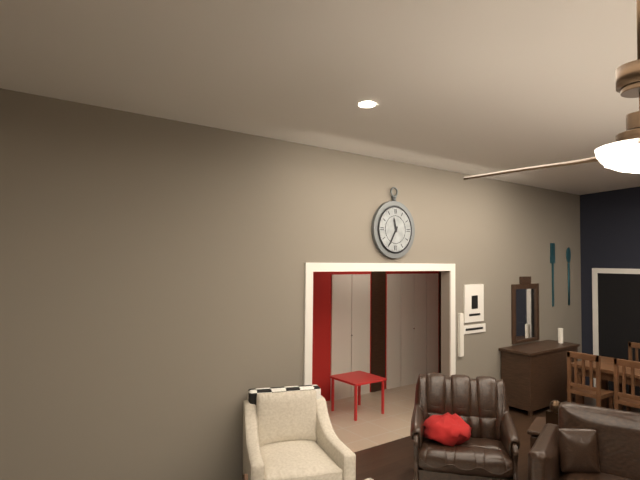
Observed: h=11 m=35
